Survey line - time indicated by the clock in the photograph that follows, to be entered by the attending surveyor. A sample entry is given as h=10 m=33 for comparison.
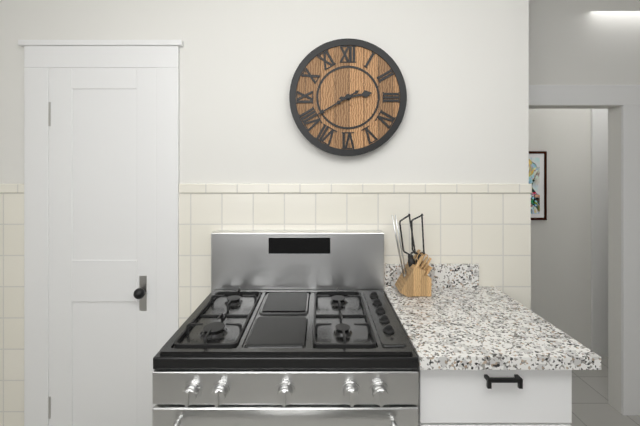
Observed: h=2 m=40
